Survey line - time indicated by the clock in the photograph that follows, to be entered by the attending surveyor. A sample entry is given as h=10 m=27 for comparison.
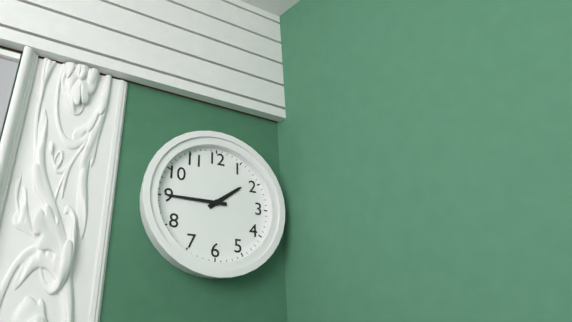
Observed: h=1 m=45
